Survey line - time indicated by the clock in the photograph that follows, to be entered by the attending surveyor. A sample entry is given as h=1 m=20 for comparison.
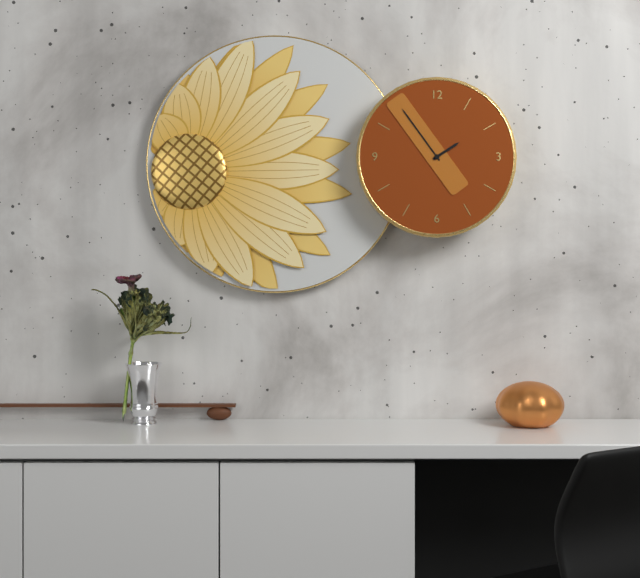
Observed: h=1 m=54
